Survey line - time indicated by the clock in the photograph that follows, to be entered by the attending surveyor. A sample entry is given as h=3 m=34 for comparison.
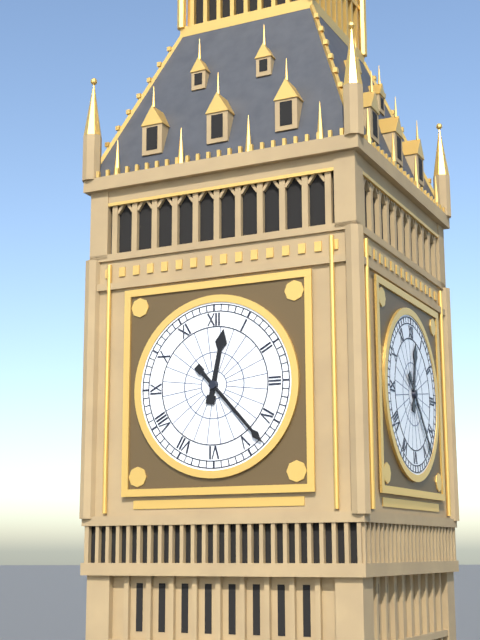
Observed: h=12 m=23
